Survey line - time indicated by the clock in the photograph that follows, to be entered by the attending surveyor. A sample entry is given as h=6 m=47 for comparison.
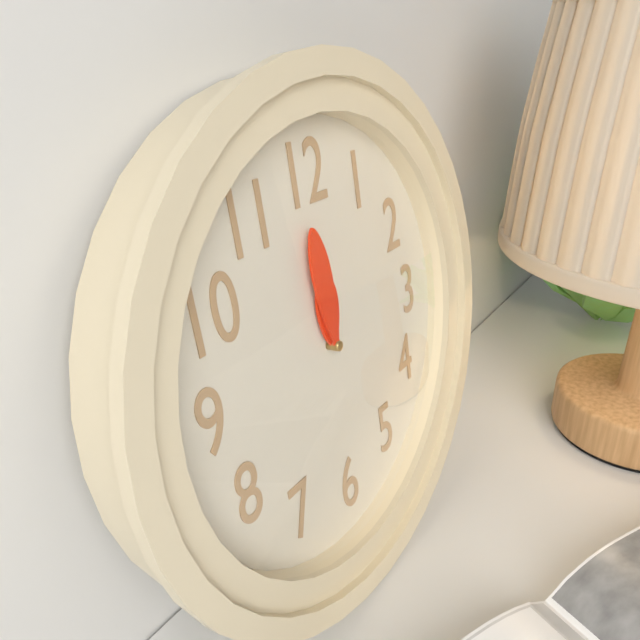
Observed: h=11 m=59
